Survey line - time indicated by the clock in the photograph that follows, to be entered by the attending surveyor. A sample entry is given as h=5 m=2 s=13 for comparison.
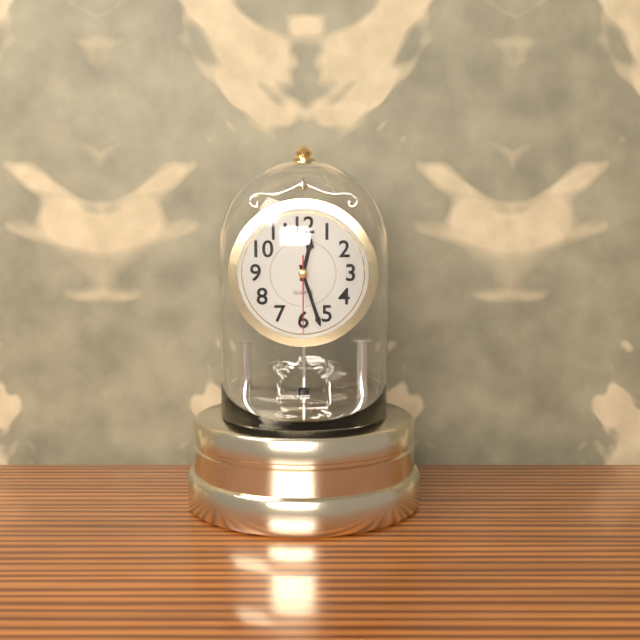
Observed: h=12 m=27 s=30
